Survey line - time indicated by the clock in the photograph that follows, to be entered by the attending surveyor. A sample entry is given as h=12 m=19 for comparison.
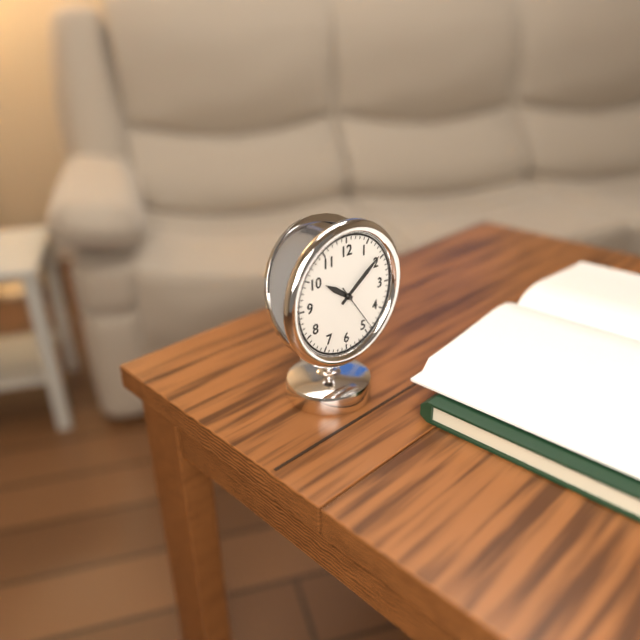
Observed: h=10 m=9
